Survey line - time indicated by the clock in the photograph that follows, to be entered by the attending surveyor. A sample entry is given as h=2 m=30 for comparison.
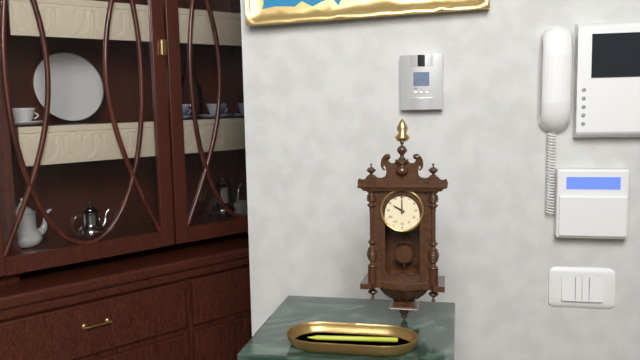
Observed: h=10 m=0
